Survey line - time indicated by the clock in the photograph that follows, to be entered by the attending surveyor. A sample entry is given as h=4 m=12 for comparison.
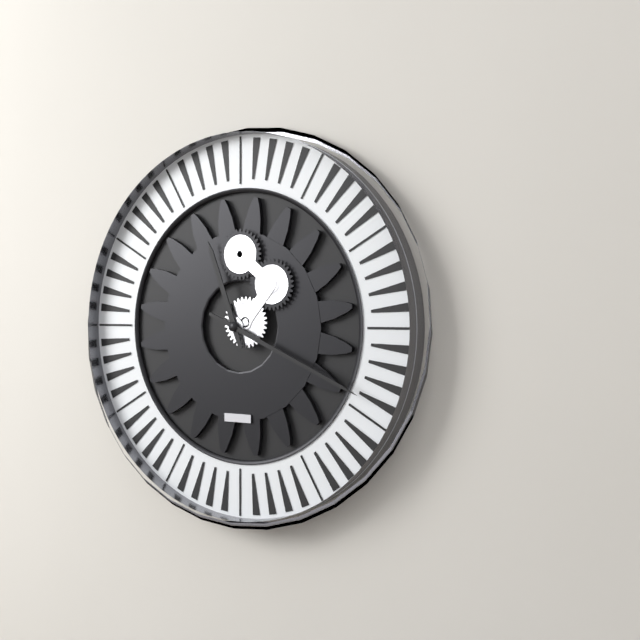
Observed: h=11 m=19
